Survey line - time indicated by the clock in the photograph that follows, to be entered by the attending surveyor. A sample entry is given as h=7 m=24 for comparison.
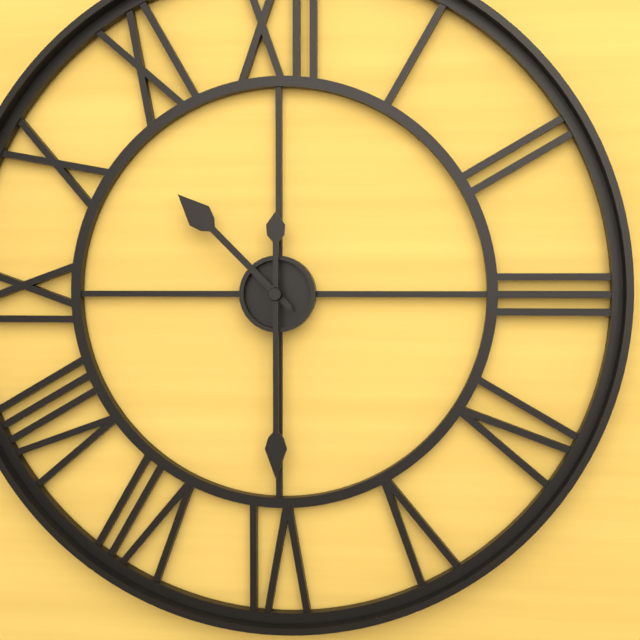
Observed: h=10 m=30
